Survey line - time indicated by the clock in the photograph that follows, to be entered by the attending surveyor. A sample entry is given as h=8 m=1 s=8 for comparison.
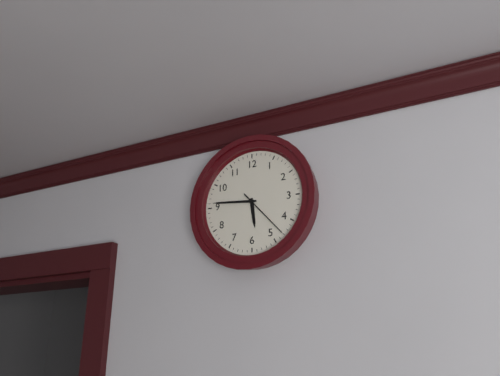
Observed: h=5 m=46 s=23
